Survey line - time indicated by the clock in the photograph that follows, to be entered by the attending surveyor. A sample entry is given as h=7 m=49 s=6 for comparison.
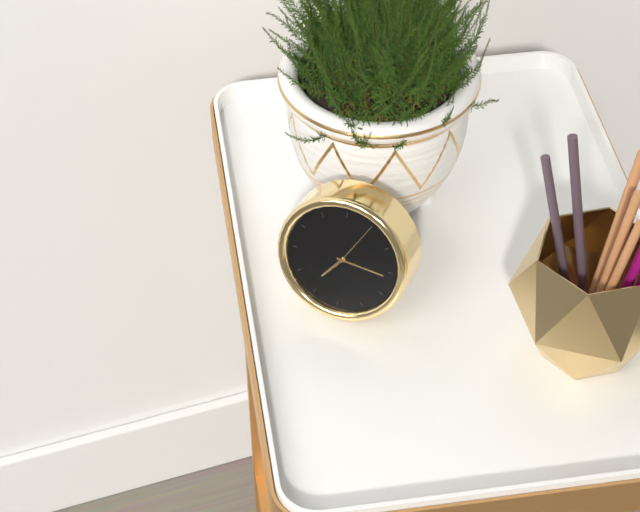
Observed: h=7 m=16 s=5
